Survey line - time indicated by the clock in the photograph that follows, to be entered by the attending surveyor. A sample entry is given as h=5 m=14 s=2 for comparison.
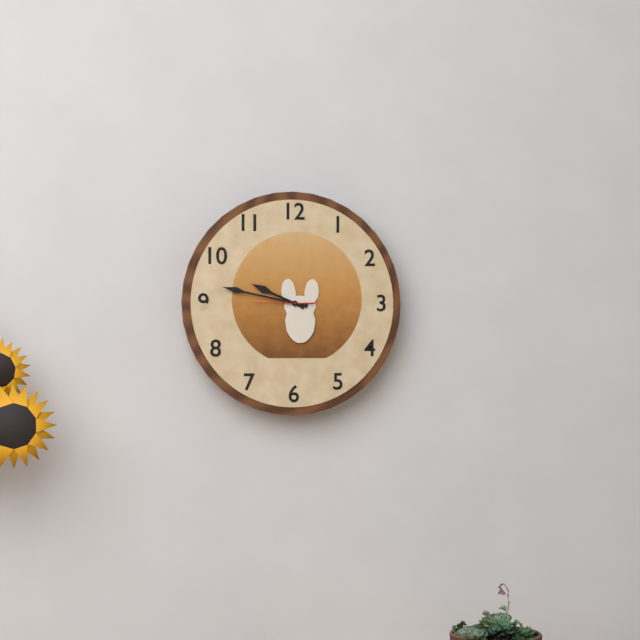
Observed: h=9 m=47 s=45
